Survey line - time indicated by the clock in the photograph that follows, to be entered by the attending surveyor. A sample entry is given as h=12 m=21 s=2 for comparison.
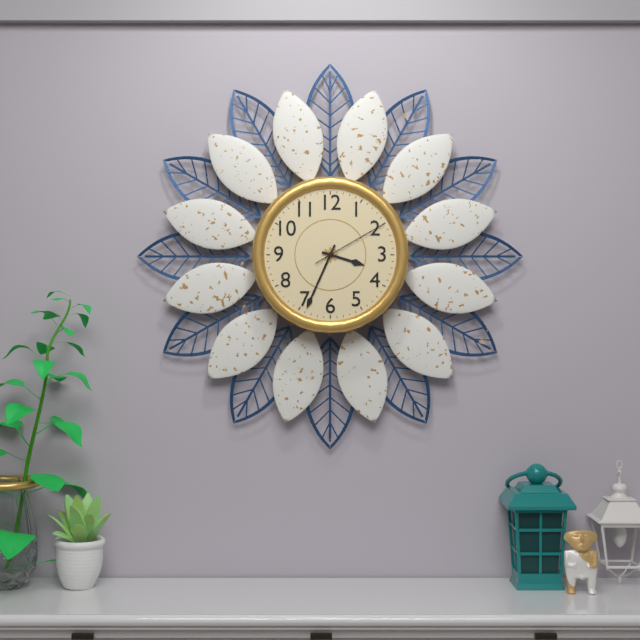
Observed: h=3 m=34 s=10
